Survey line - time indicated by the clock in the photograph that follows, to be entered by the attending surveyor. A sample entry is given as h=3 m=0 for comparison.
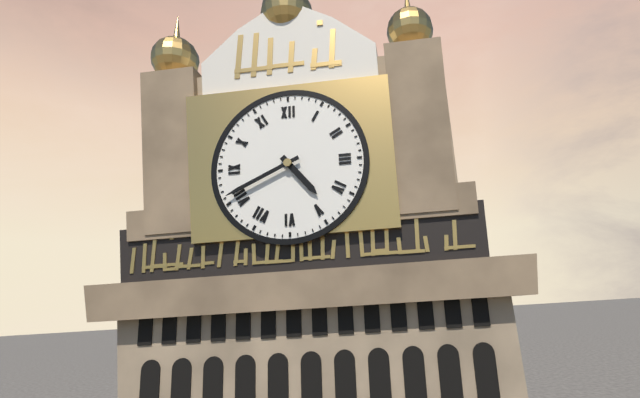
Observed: h=4 m=41
